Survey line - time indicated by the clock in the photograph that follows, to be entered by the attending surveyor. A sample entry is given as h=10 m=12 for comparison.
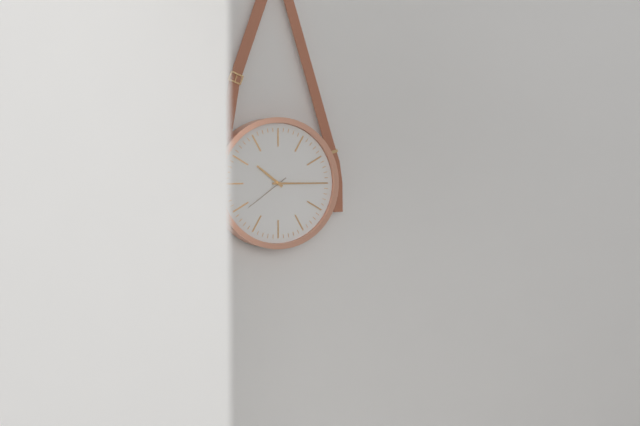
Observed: h=10 m=15
